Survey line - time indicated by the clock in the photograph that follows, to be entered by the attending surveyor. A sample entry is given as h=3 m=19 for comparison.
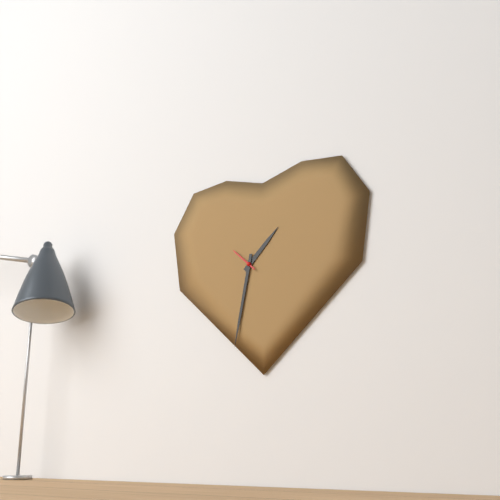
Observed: h=1 m=32
